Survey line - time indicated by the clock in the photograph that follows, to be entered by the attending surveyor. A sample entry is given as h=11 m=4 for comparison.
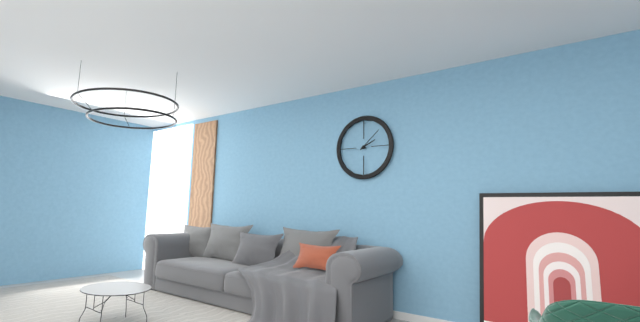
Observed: h=2 m=8
